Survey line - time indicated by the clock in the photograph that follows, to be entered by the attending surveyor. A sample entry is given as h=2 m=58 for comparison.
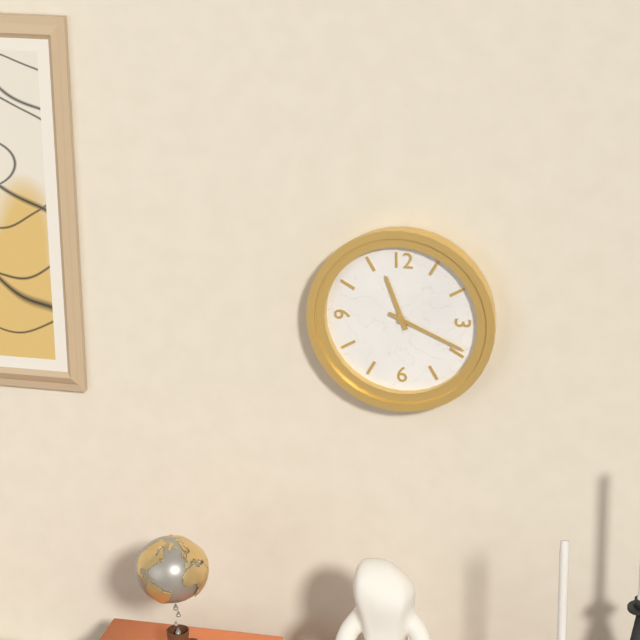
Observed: h=11 m=19
